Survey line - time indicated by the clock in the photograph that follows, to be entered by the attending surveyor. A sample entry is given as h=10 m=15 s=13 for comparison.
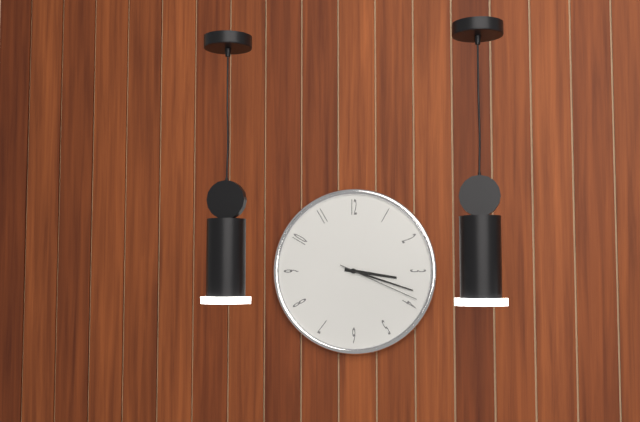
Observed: h=3 m=18 s=19
